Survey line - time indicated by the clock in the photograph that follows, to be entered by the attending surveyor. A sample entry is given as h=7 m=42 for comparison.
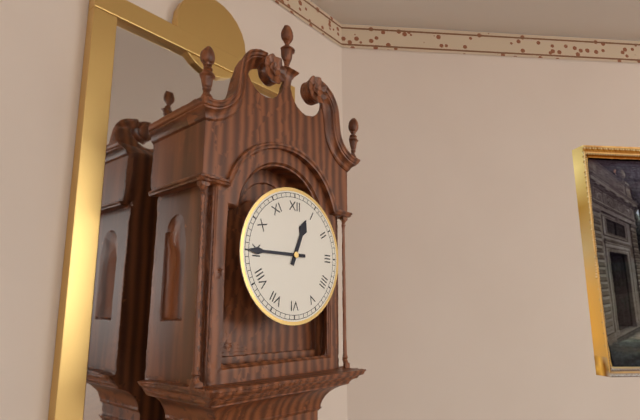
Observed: h=12 m=45
